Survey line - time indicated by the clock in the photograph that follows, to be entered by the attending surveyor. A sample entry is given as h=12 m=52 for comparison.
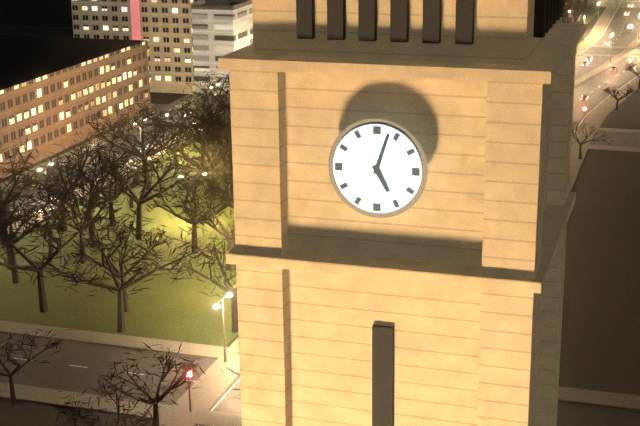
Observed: h=5 m=3
